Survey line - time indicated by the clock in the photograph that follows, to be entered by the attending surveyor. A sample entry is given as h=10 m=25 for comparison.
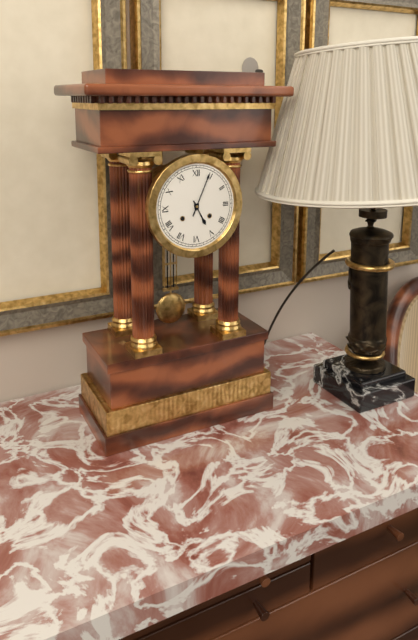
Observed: h=5 m=4
